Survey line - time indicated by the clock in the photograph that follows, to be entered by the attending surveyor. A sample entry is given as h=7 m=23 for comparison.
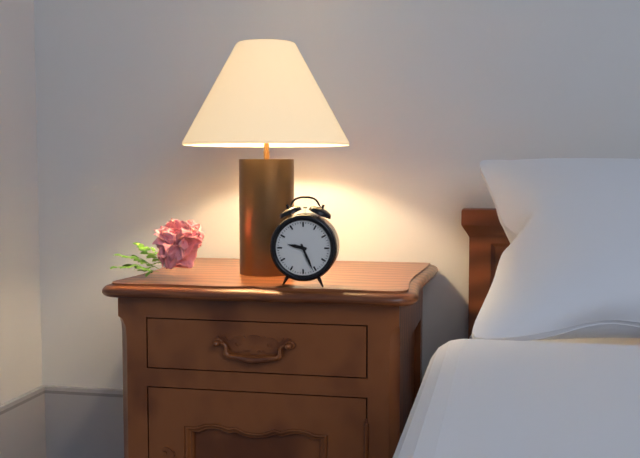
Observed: h=9 m=26
